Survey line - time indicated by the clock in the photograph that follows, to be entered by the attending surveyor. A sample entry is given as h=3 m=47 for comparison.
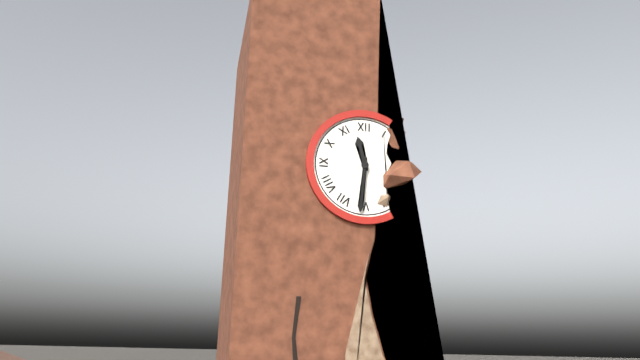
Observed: h=11 m=31
